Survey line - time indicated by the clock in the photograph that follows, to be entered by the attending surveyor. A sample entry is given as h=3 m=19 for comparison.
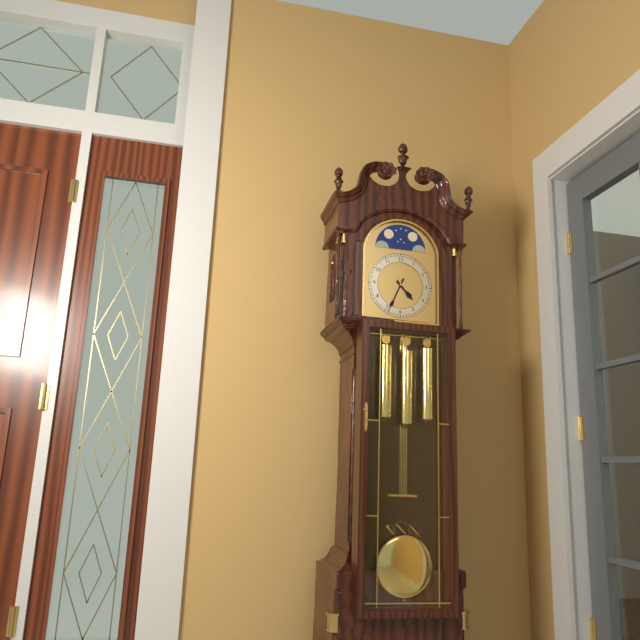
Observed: h=4 m=34
